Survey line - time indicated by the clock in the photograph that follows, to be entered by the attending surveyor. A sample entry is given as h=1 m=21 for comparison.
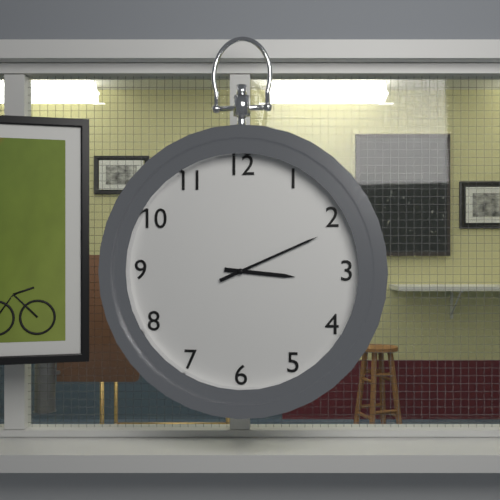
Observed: h=3 m=11
